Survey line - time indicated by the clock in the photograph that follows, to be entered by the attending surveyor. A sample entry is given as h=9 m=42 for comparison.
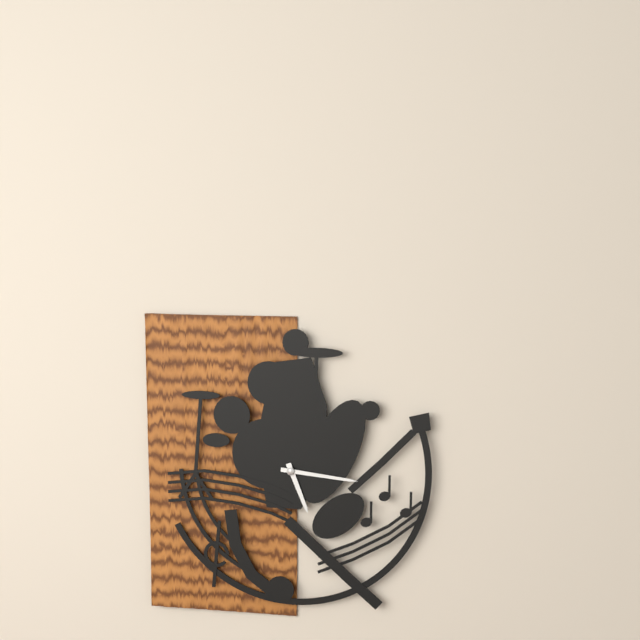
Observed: h=5 m=16
